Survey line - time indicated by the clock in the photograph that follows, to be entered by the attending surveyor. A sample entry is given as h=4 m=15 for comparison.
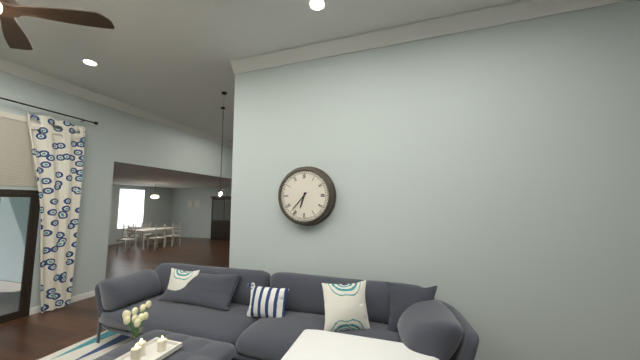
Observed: h=6 m=37
